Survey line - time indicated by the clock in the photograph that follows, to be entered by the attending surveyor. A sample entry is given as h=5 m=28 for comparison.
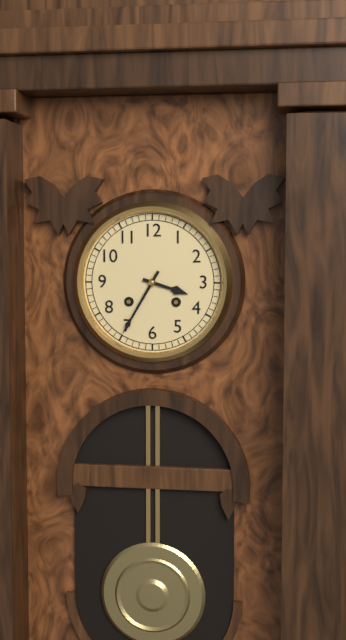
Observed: h=3 m=35
